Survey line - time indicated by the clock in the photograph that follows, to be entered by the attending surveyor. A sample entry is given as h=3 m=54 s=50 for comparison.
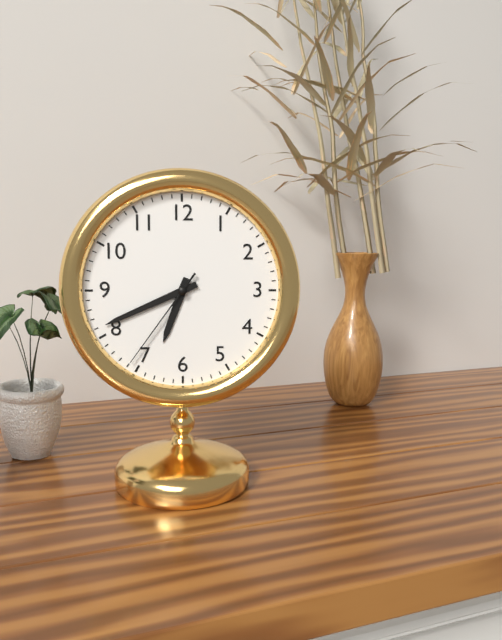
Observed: h=6 m=41 s=36
